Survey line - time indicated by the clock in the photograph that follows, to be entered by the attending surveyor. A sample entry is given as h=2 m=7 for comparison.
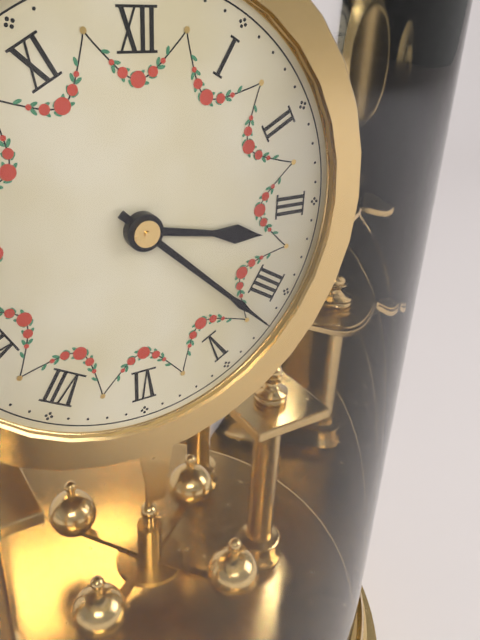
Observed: h=3 m=22
